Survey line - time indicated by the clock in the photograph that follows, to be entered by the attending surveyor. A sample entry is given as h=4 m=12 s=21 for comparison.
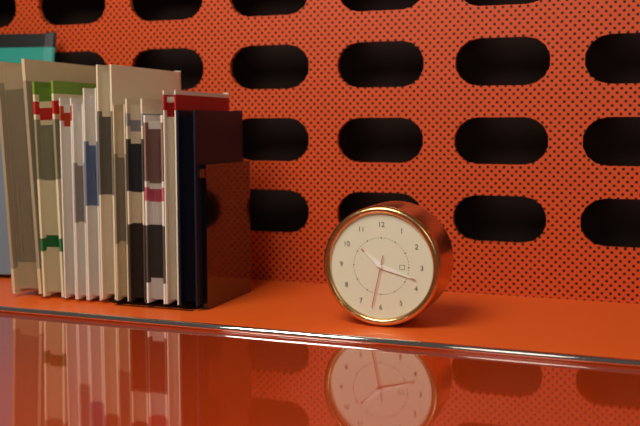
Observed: h=10 m=18 s=32
